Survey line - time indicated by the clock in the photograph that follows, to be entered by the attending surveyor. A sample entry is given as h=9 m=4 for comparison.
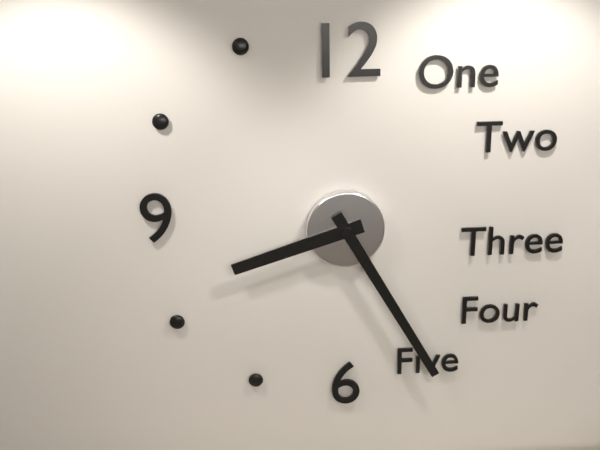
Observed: h=8 m=25
